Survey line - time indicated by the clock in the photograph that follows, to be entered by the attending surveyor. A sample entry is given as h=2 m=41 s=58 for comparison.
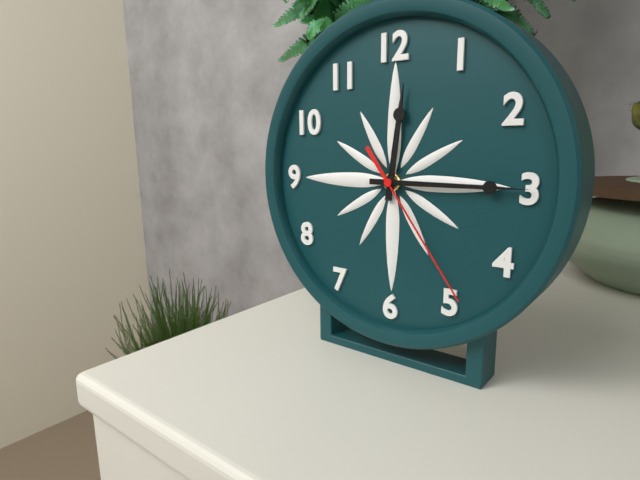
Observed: h=12 m=15 s=24
